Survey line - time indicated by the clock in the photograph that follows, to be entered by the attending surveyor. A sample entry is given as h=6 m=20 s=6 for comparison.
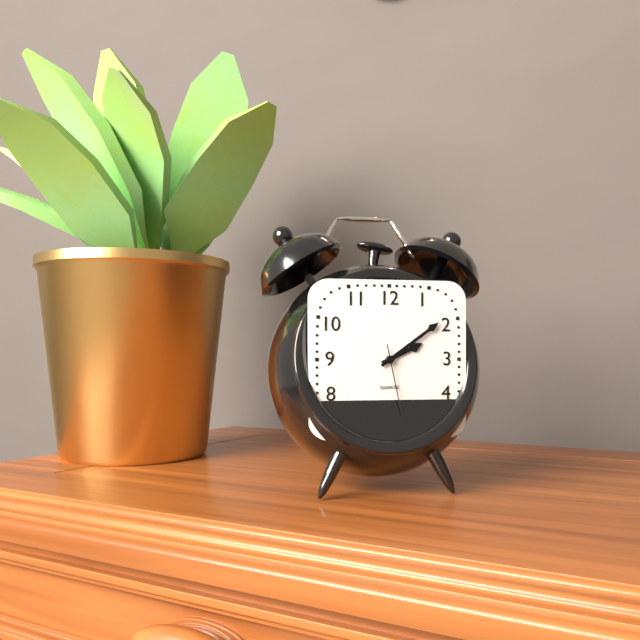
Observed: h=2 m=9 s=28
